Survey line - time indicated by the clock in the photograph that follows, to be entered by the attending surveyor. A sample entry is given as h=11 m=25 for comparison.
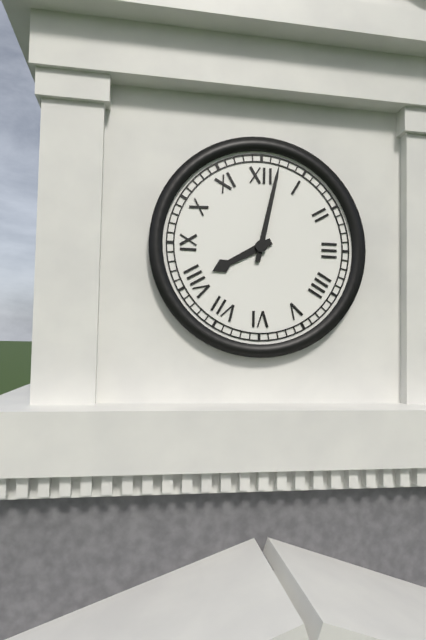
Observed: h=8 m=2
